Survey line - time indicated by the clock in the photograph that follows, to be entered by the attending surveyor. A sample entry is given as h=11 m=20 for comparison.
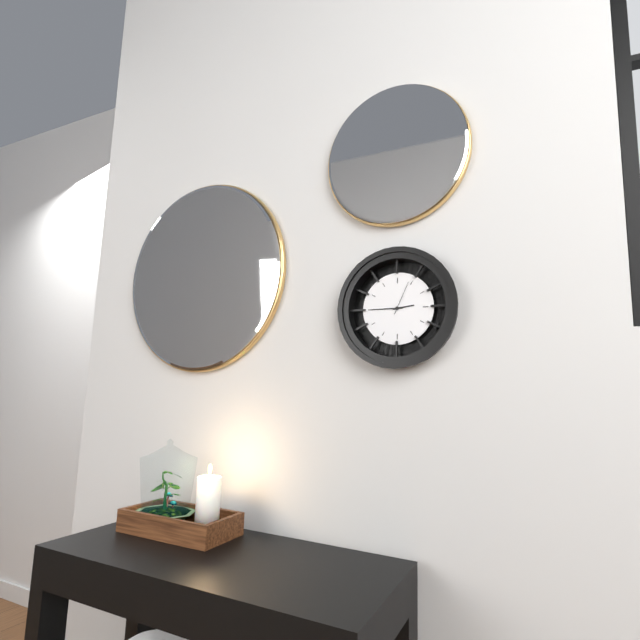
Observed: h=2 m=45
